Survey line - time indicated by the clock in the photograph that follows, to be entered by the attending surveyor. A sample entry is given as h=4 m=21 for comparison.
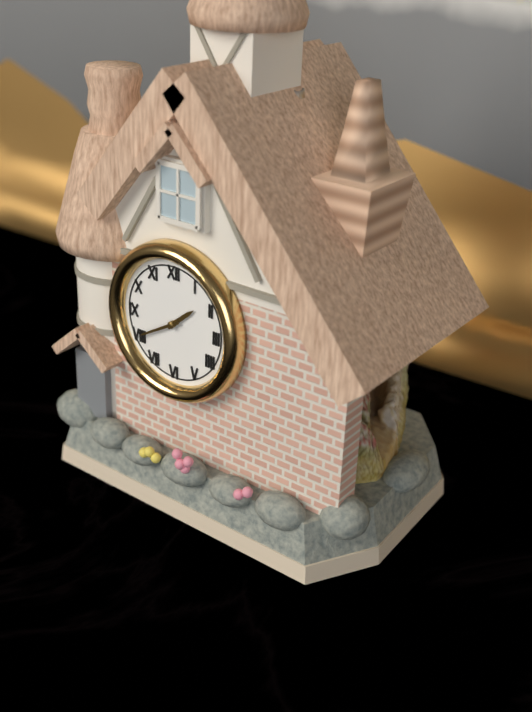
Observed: h=1 m=40
